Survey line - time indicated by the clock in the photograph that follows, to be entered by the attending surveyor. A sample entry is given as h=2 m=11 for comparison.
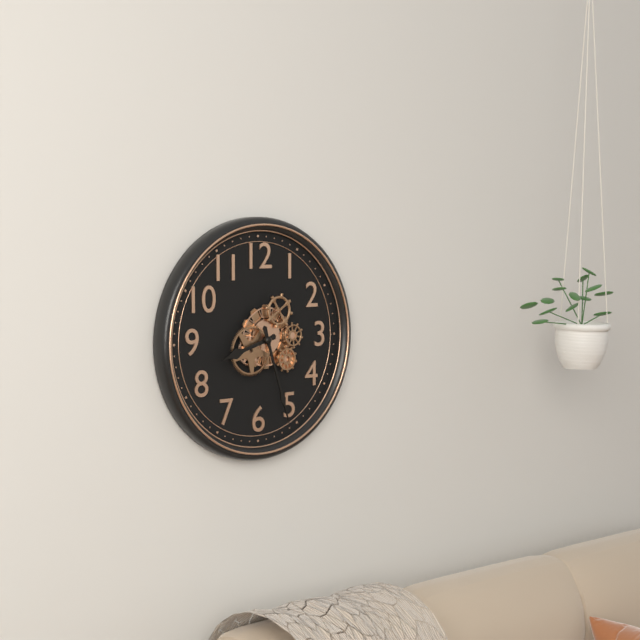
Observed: h=8 m=27
